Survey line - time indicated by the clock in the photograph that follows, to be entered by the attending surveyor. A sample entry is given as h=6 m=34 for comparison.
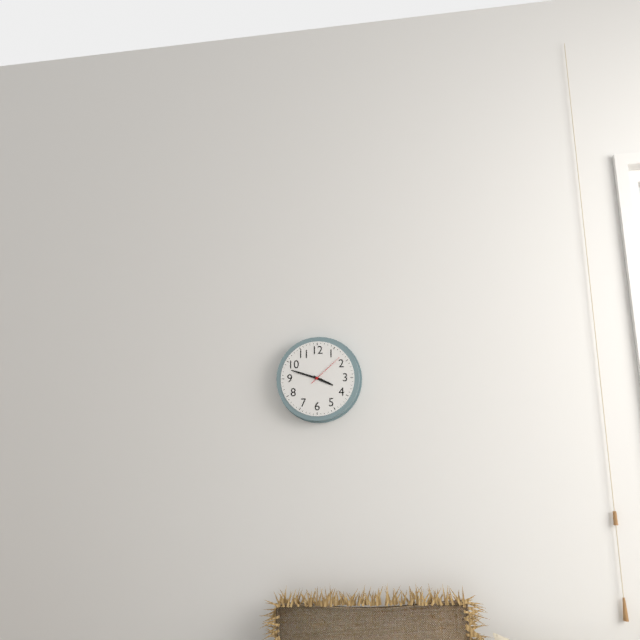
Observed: h=3 m=48
